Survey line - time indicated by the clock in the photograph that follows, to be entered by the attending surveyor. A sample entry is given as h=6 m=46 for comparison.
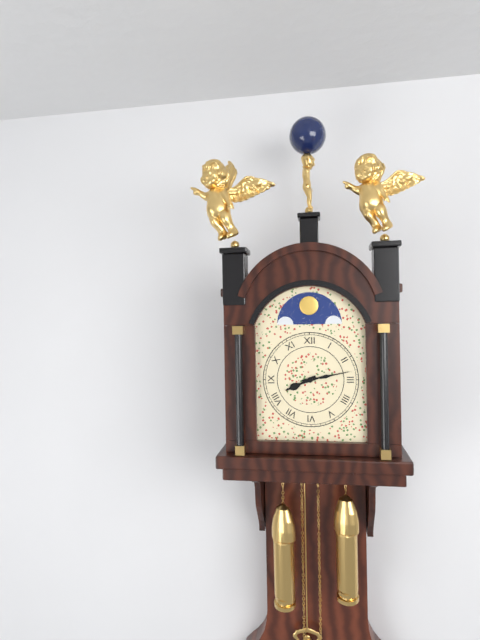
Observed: h=8 m=13
